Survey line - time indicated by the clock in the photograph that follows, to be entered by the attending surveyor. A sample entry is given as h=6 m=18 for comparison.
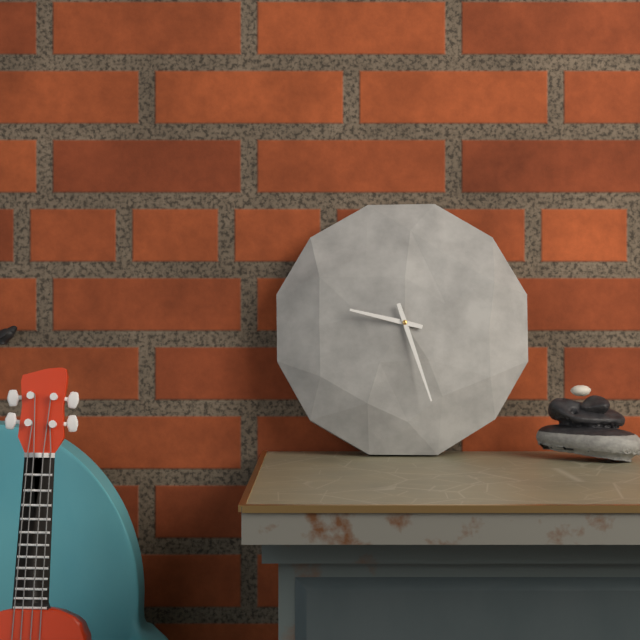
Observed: h=9 m=27
